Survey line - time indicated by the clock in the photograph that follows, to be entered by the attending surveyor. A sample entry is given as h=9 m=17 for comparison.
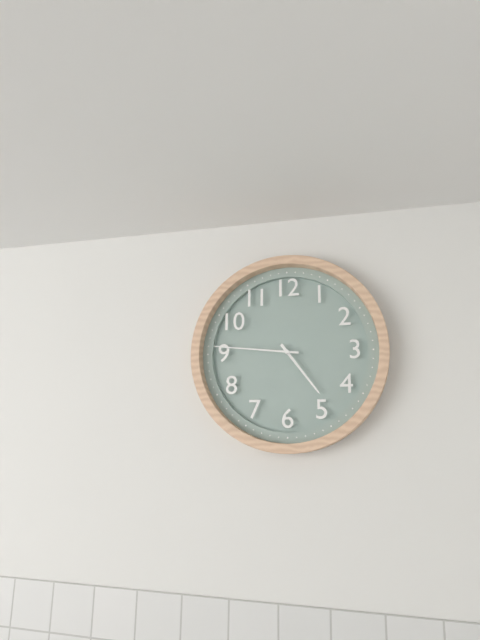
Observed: h=4 m=46
